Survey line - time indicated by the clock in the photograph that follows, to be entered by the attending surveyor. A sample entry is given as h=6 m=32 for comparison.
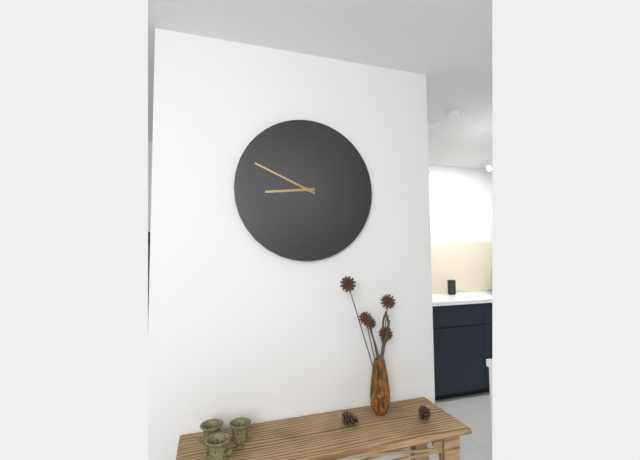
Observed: h=8 m=49
